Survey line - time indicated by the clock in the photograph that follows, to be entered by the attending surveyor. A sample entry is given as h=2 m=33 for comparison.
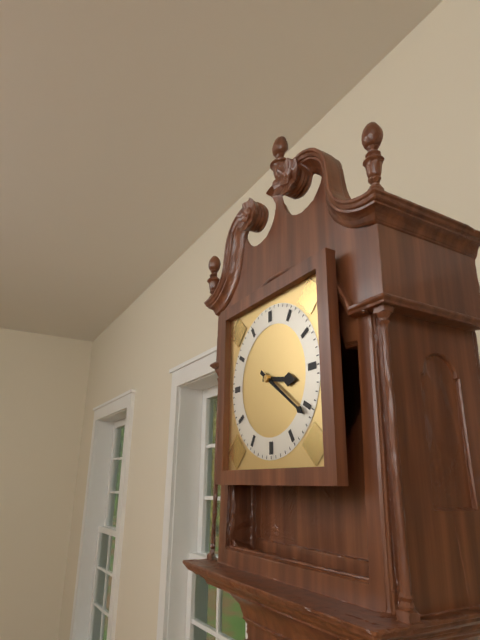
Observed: h=3 m=21
